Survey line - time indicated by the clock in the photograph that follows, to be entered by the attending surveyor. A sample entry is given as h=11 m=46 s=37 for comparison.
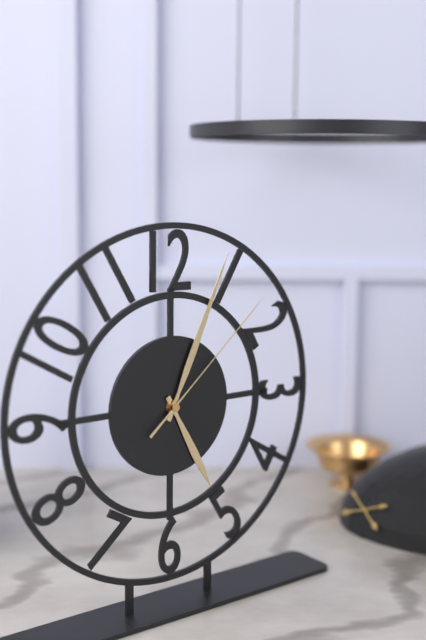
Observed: h=5 m=4 s=8
